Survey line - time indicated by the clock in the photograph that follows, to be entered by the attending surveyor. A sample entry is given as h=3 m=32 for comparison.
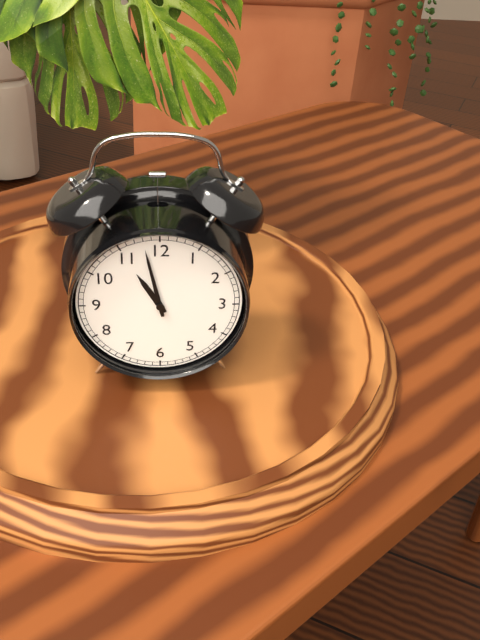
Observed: h=10 m=58
